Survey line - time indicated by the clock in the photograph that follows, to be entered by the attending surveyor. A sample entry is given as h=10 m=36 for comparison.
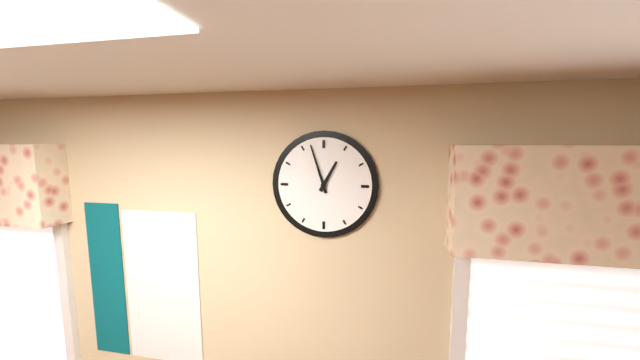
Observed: h=12 m=57
